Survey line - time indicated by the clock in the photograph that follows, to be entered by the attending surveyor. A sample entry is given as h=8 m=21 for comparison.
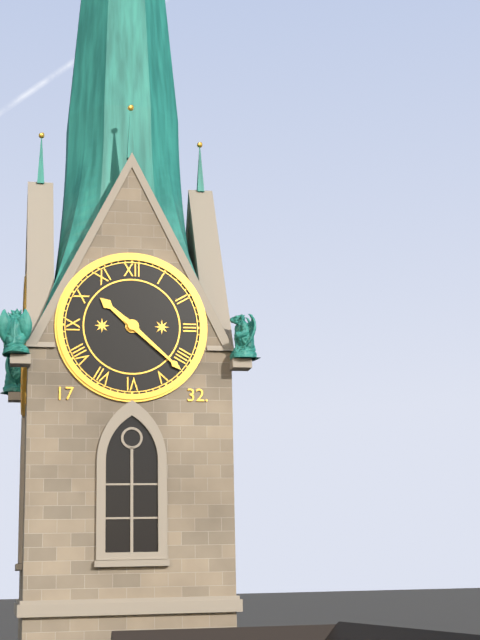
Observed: h=10 m=22
